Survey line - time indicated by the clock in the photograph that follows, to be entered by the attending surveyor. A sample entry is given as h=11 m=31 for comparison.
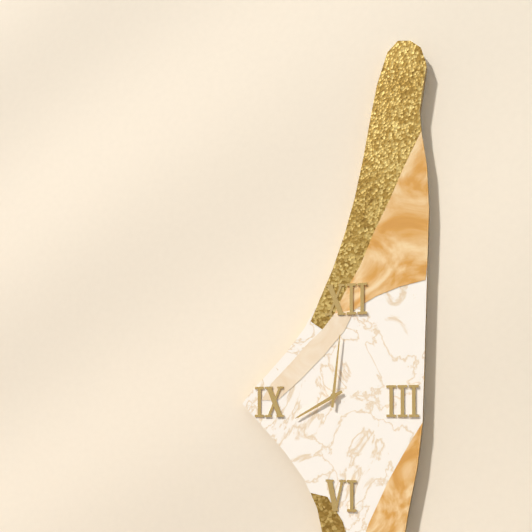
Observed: h=8 m=1
